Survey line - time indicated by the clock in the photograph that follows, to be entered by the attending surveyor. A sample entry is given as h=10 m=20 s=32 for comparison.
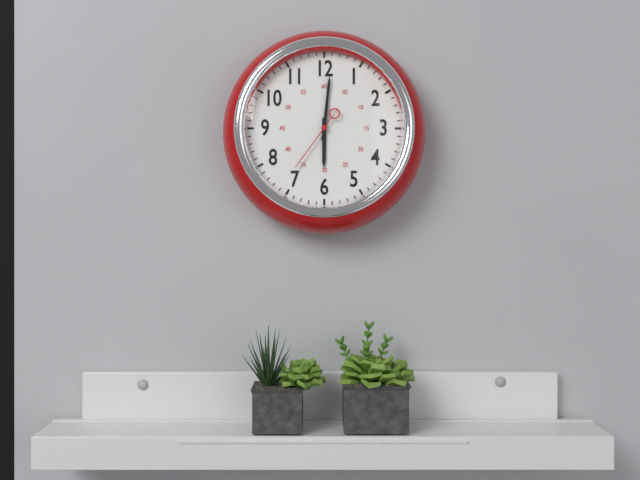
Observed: h=6 m=1 s=36
